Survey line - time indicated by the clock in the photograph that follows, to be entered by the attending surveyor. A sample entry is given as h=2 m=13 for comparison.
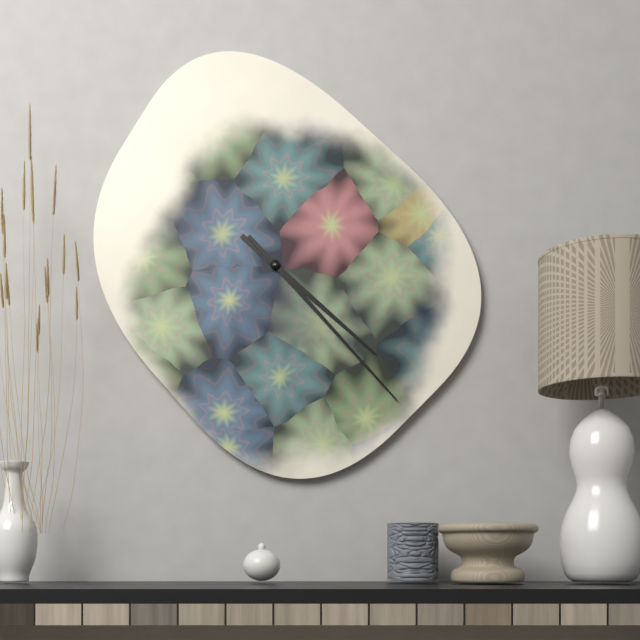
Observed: h=4 m=23
